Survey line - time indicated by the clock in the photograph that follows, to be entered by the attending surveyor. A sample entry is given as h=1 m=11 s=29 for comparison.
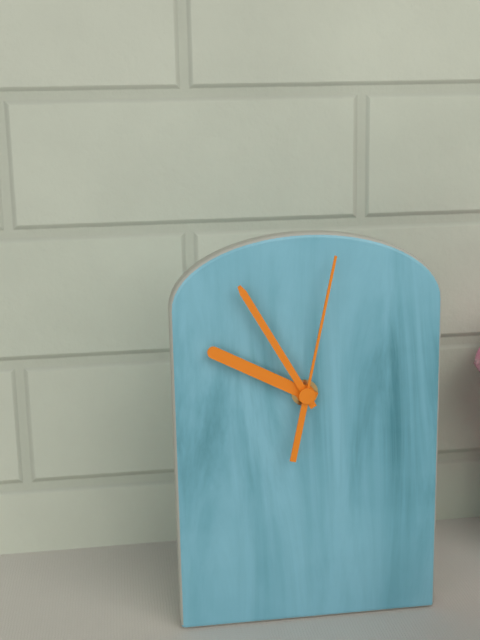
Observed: h=9 m=55 s=2
